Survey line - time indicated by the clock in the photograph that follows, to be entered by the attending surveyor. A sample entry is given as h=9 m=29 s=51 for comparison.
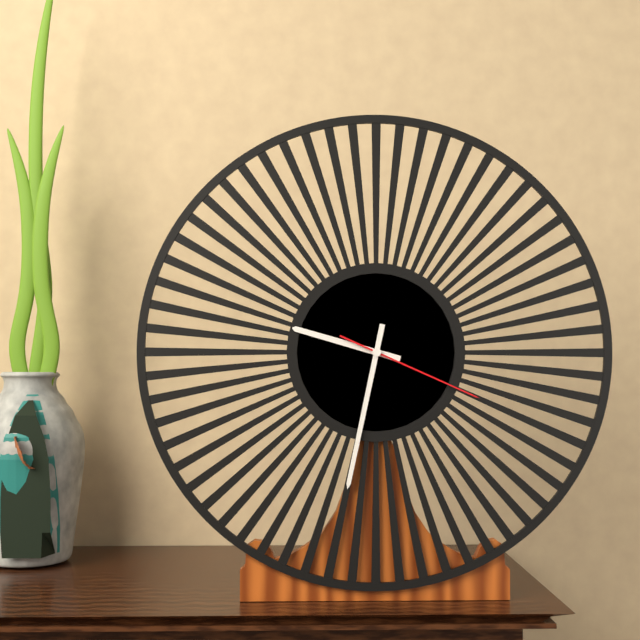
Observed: h=9 m=32 s=19
